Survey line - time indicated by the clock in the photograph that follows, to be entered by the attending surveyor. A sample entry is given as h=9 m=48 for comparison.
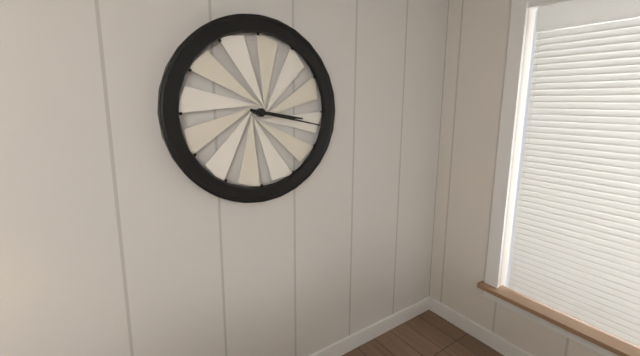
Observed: h=3 m=17
